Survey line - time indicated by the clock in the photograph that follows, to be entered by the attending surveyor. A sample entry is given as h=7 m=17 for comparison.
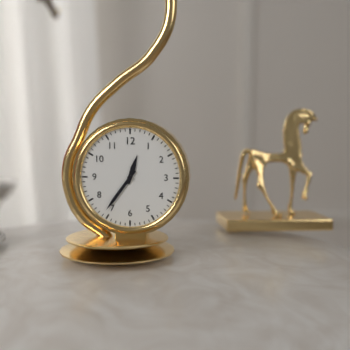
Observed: h=12 m=36
